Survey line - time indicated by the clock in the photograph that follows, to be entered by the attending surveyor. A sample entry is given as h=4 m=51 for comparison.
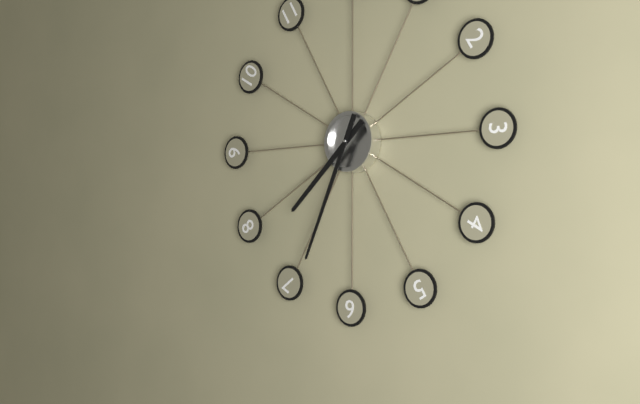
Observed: h=7 m=34
